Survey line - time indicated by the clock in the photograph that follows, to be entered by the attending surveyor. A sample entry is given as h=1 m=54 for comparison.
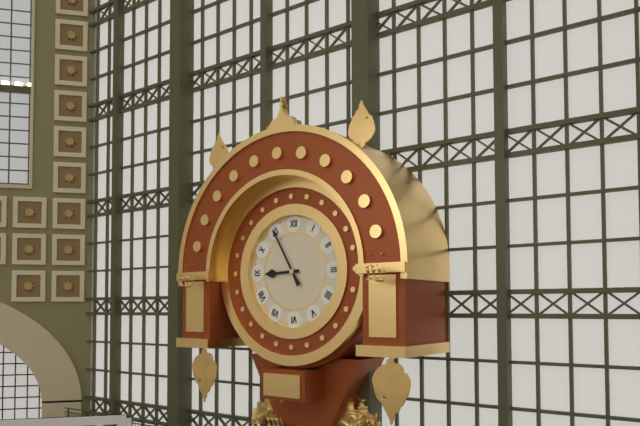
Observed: h=8 m=55
